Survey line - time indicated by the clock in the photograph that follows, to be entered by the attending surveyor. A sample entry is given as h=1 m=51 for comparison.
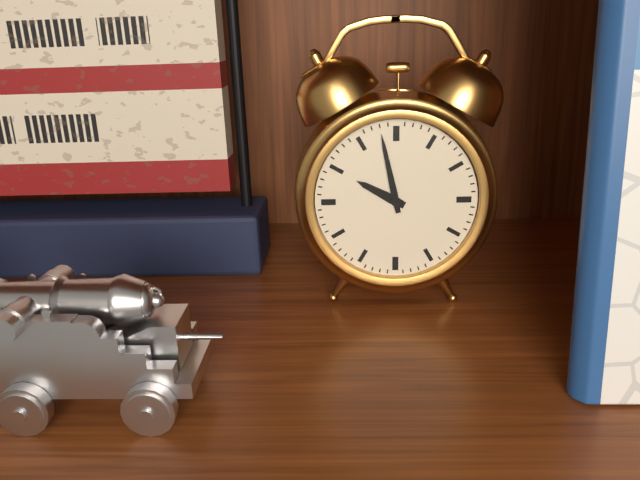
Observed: h=9 m=58
